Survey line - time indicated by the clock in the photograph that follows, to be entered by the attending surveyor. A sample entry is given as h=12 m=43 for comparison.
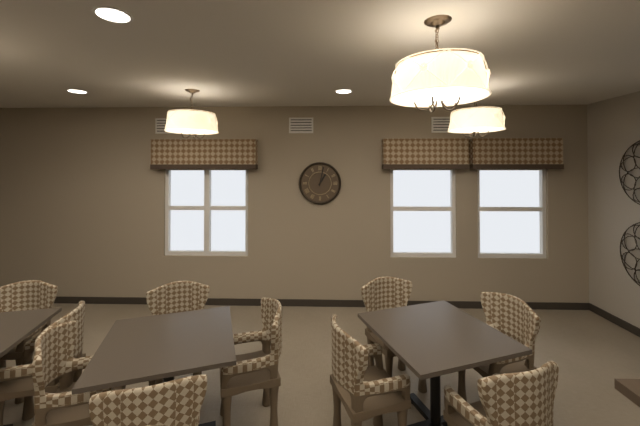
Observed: h=1 m=2
